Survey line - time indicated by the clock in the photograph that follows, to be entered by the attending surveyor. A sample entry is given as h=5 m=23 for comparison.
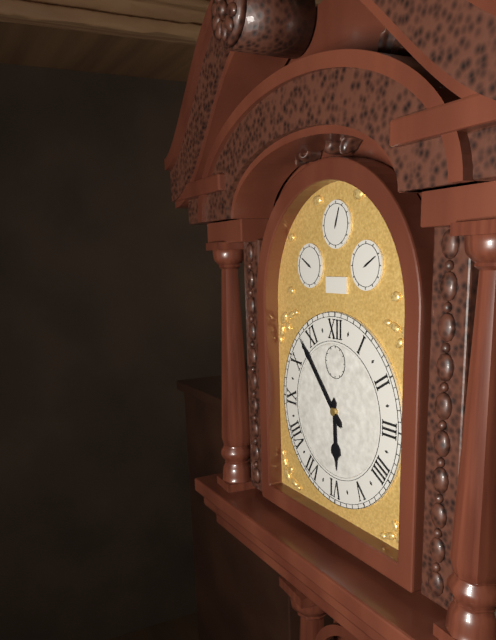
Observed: h=5 m=53
